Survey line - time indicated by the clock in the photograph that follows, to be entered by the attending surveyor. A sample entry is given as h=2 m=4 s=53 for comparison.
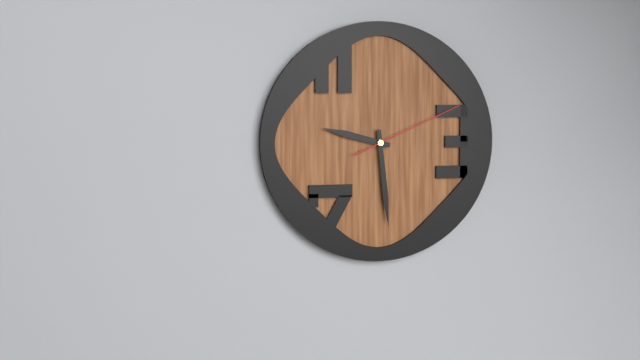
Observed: h=9 m=29 s=11
